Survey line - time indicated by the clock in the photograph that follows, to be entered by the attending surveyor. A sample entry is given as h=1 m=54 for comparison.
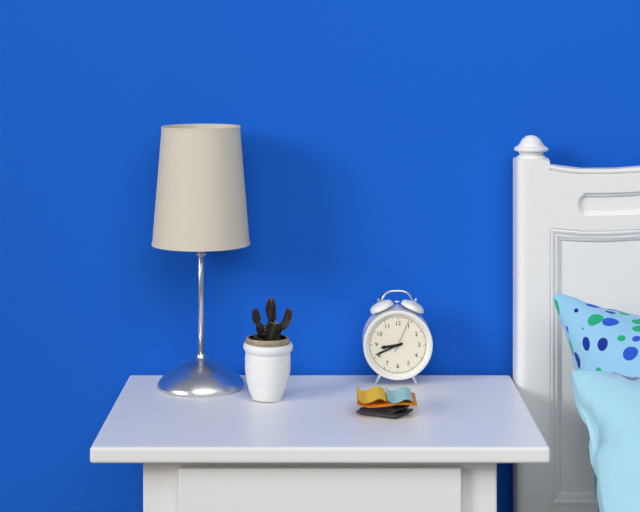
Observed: h=8 m=41
